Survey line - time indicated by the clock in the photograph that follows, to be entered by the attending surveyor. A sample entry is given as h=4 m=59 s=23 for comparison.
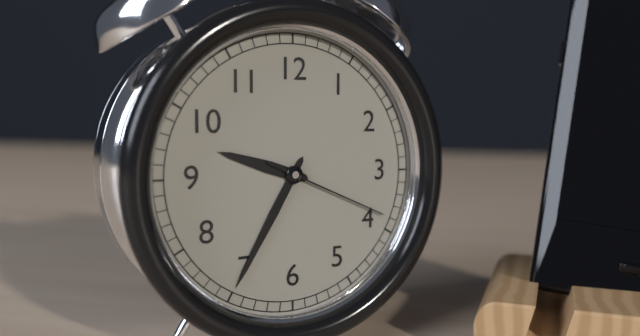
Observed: h=9 m=35 s=19
